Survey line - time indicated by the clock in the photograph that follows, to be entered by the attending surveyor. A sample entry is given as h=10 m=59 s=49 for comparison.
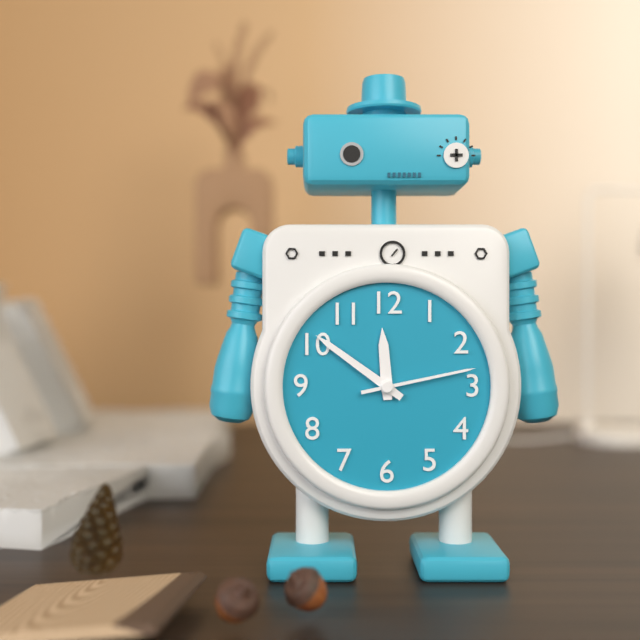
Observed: h=11 m=51 s=13
